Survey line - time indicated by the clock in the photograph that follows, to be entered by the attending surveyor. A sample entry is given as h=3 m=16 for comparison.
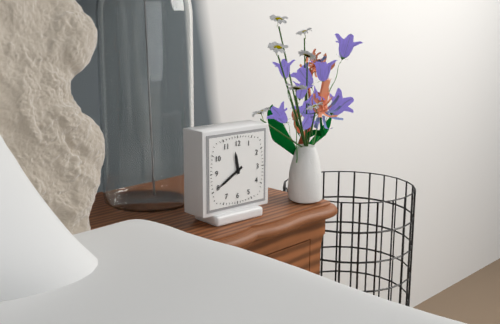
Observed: h=11 m=40
